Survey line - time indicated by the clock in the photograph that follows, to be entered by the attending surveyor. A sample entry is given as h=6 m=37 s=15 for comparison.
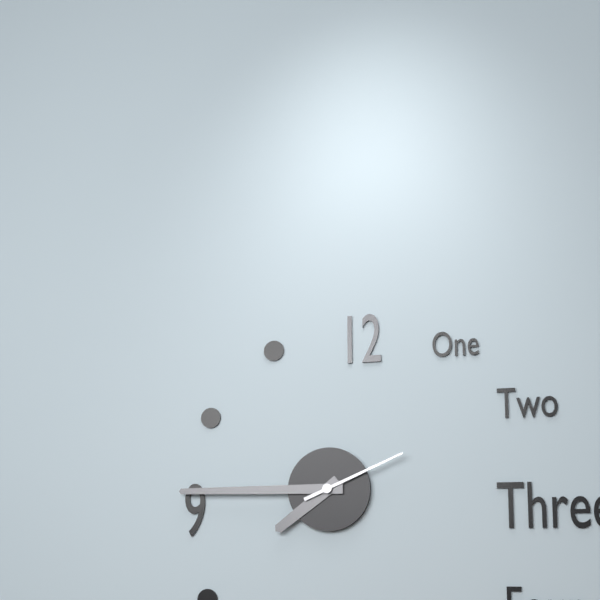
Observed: h=7 m=45 s=11
